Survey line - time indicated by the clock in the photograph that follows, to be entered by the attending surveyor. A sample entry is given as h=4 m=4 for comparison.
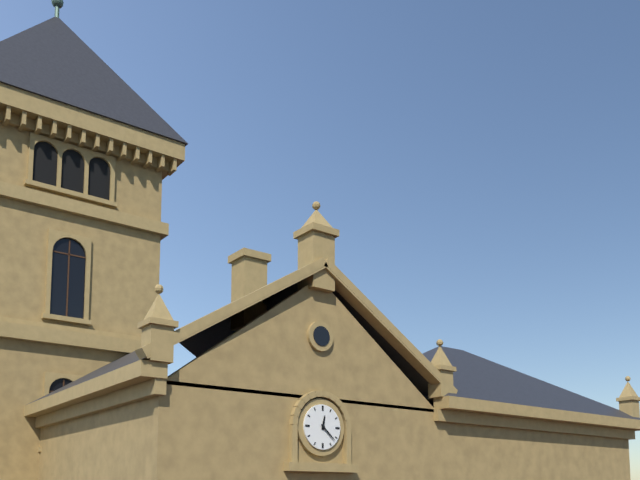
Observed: h=12 m=22
